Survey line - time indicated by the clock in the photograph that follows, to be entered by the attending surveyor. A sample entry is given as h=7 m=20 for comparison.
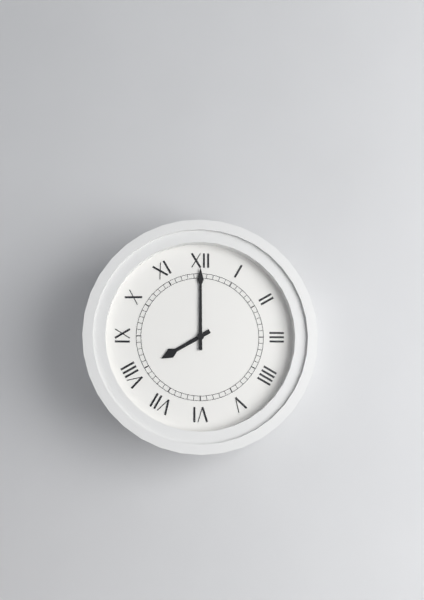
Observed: h=8 m=0
